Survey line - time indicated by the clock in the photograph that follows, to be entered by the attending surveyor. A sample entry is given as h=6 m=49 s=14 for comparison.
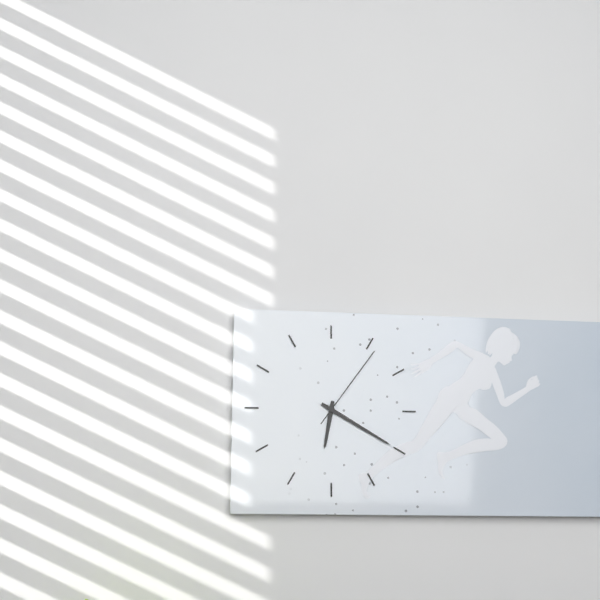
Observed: h=6 m=20 s=6
